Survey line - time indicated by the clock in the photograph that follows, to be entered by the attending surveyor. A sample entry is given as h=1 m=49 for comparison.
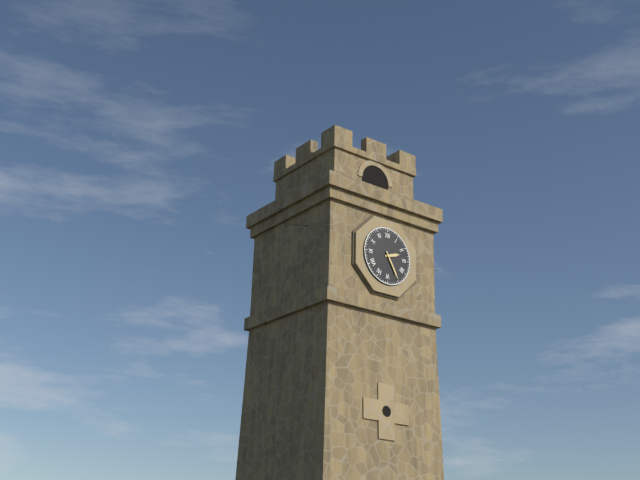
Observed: h=2 m=25
